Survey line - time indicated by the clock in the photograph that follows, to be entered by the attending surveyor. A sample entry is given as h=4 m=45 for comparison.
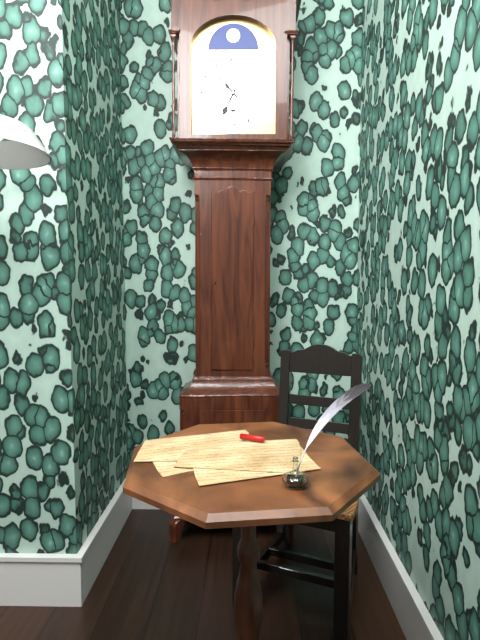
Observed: h=6 m=53
